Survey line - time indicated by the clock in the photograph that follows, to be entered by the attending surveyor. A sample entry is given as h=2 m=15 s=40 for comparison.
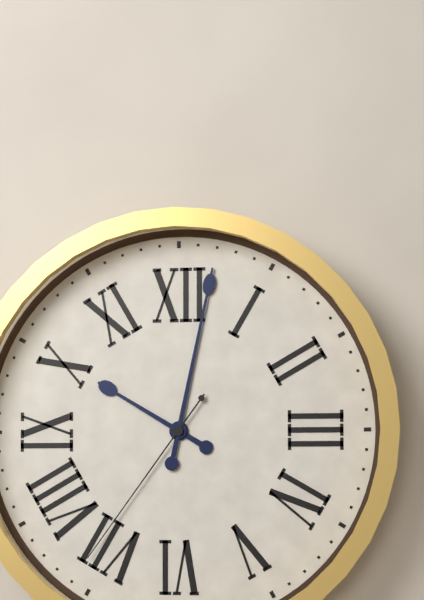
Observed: h=10 m=2 s=36
